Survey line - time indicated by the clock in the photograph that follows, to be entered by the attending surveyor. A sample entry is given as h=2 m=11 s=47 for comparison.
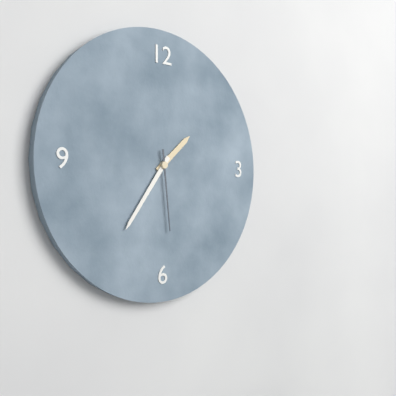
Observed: h=1 m=36 s=29
